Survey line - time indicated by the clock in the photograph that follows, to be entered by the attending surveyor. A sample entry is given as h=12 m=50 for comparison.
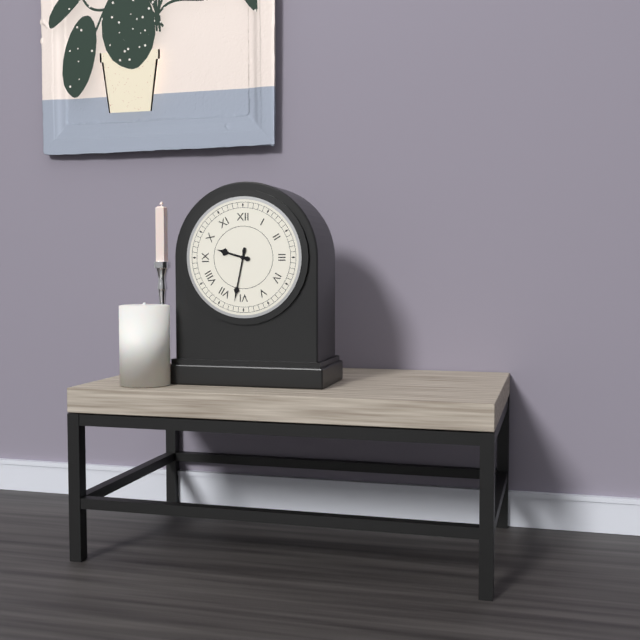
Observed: h=9 m=32
